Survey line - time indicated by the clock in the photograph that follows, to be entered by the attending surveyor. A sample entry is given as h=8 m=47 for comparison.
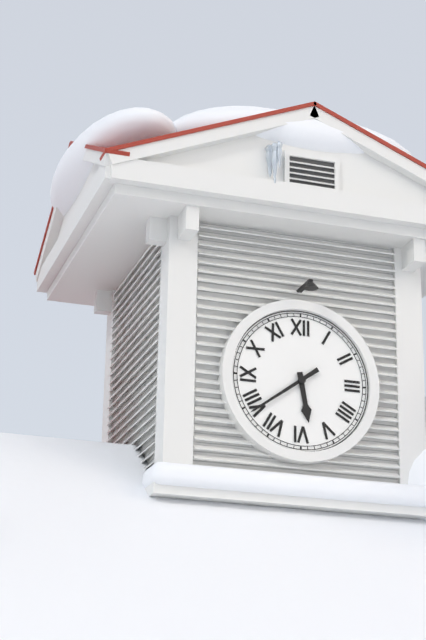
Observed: h=5 m=39
